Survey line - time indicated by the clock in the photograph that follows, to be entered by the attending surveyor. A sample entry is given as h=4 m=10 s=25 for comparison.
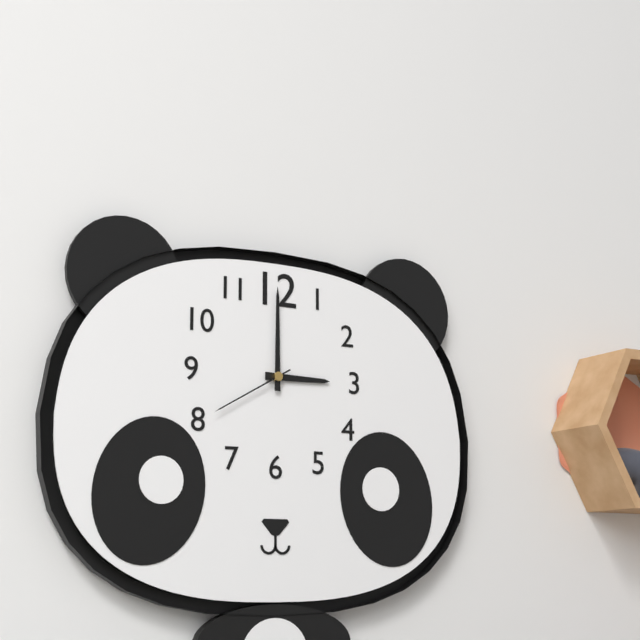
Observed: h=3 m=0 s=40
